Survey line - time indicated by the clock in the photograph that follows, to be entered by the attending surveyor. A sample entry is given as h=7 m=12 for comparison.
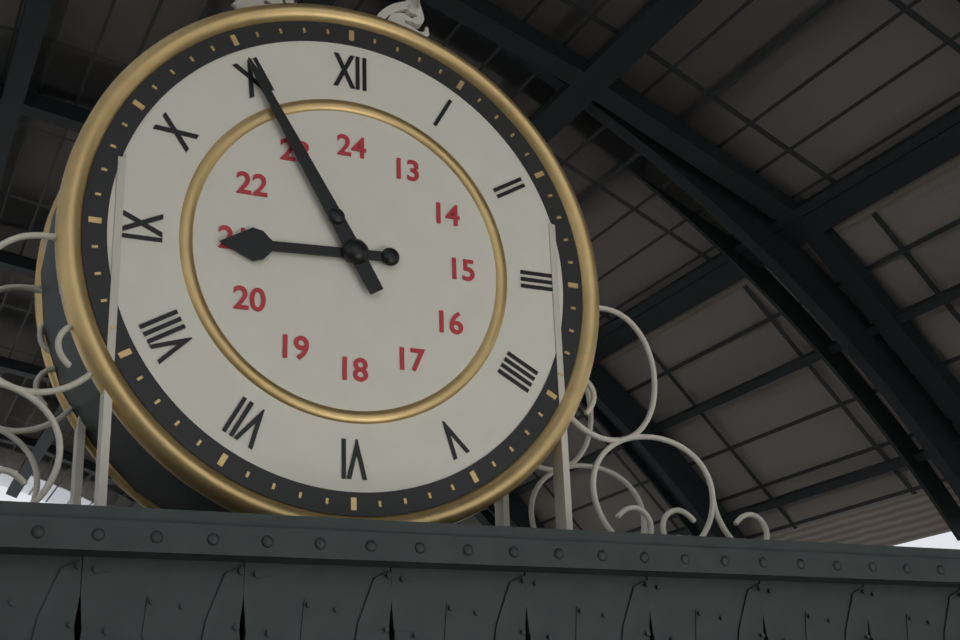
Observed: h=8 m=55
